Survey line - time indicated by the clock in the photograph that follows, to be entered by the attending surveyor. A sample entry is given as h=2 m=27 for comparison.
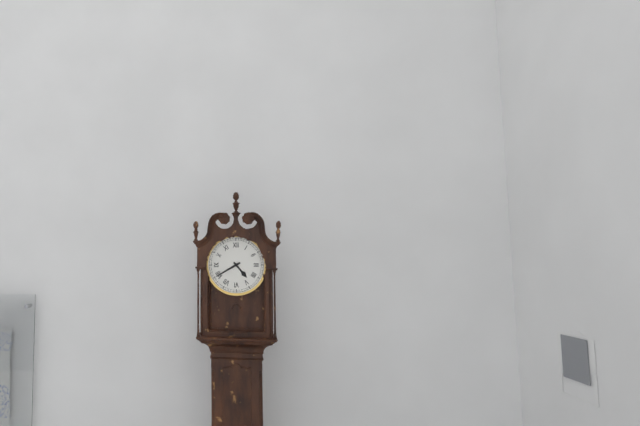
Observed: h=4 m=40
